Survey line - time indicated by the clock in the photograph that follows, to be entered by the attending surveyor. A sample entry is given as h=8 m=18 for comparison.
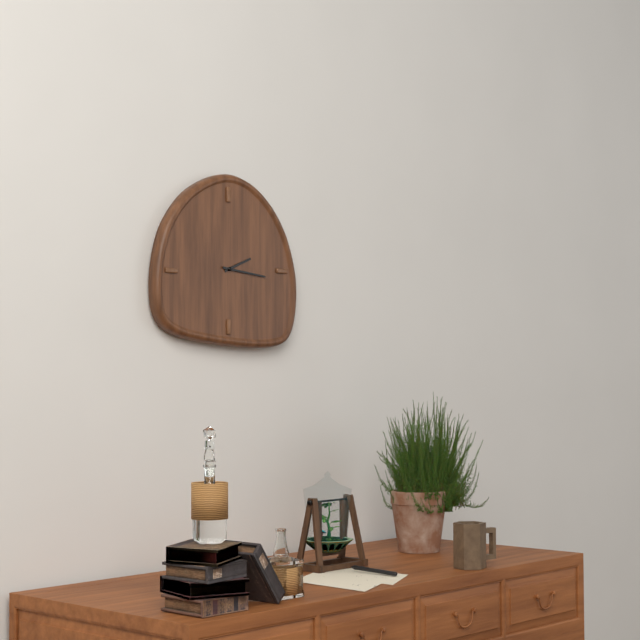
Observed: h=2 m=16
